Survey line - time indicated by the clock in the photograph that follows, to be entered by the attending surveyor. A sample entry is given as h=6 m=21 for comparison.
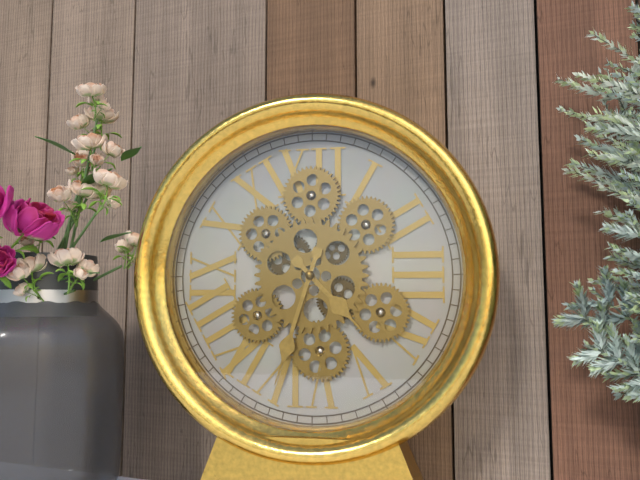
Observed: h=4 m=33
